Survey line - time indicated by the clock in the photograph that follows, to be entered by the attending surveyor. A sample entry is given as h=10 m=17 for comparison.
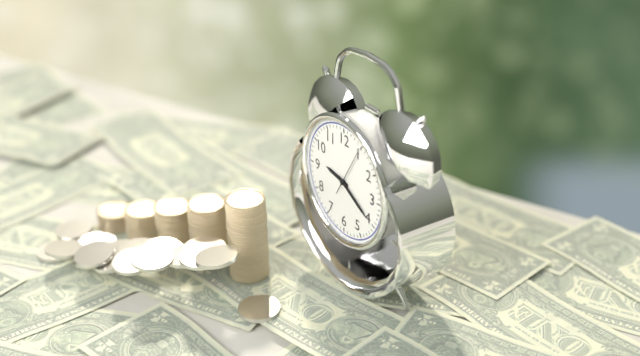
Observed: h=9 m=20
